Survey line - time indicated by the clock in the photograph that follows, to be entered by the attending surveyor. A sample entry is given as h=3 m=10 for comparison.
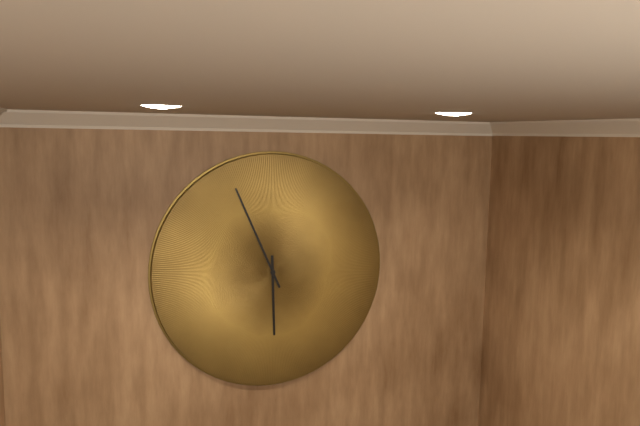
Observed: h=5 m=56
